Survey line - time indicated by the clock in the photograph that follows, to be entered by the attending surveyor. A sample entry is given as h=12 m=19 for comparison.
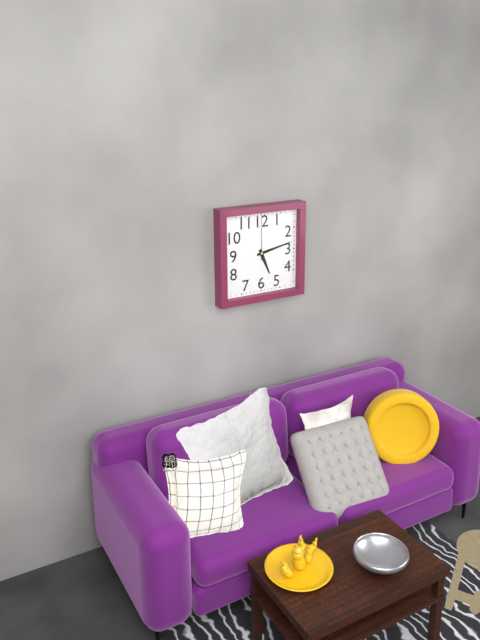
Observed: h=5 m=13
